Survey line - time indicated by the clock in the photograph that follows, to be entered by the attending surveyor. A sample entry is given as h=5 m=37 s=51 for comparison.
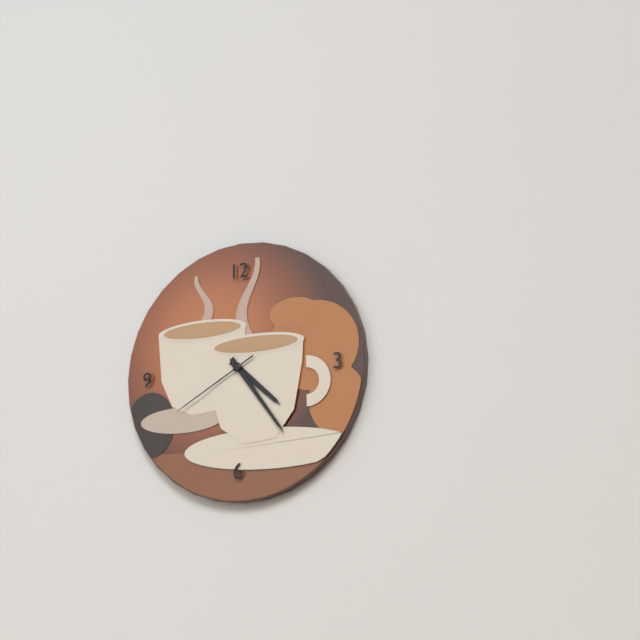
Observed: h=4 m=24 s=40
